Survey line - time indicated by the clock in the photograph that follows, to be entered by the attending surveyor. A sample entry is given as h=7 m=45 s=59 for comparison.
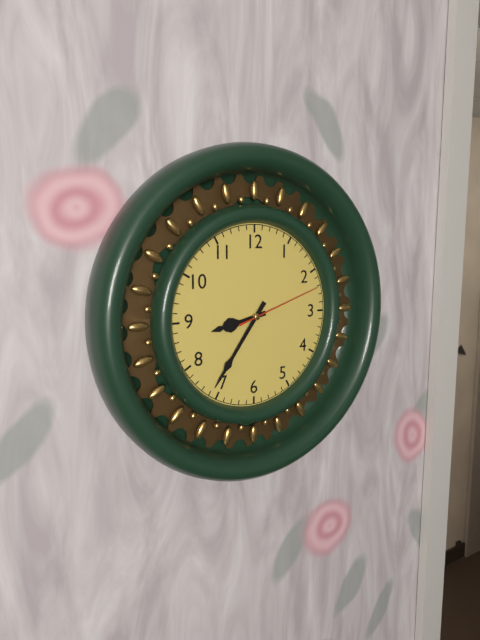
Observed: h=8 m=36 s=12
